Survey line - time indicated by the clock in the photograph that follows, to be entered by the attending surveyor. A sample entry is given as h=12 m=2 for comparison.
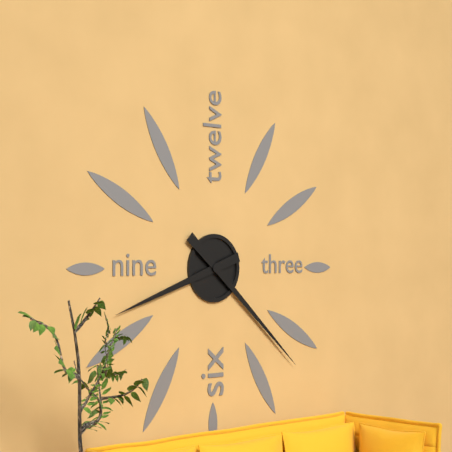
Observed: h=8 m=22
